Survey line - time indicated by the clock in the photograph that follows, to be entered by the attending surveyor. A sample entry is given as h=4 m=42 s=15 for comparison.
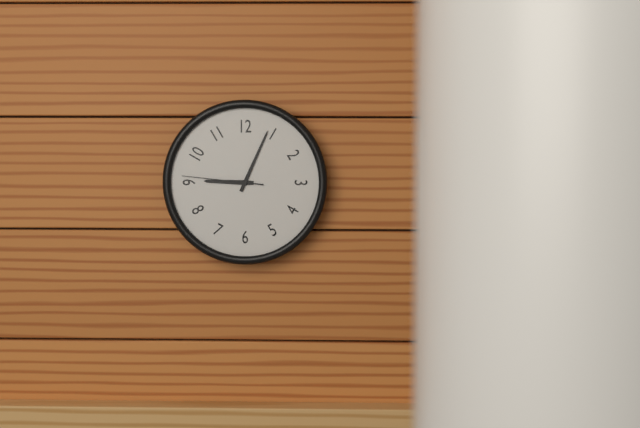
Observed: h=9 m=4 s=46
